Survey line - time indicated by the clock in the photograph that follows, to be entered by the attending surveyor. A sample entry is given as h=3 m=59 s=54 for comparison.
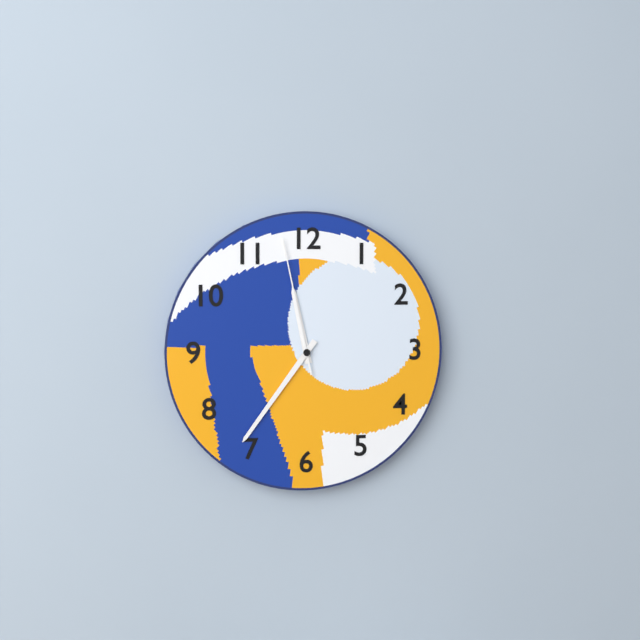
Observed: h=11 m=36 s=58
